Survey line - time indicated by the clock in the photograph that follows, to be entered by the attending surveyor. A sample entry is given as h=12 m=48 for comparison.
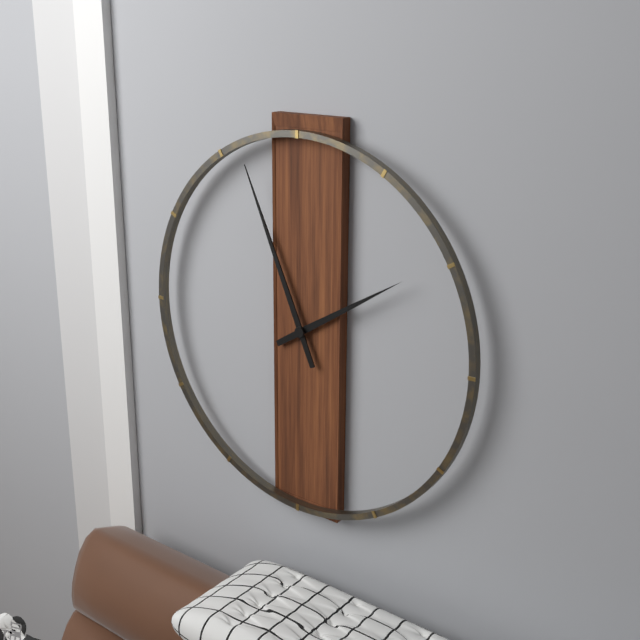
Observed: h=1 m=56
